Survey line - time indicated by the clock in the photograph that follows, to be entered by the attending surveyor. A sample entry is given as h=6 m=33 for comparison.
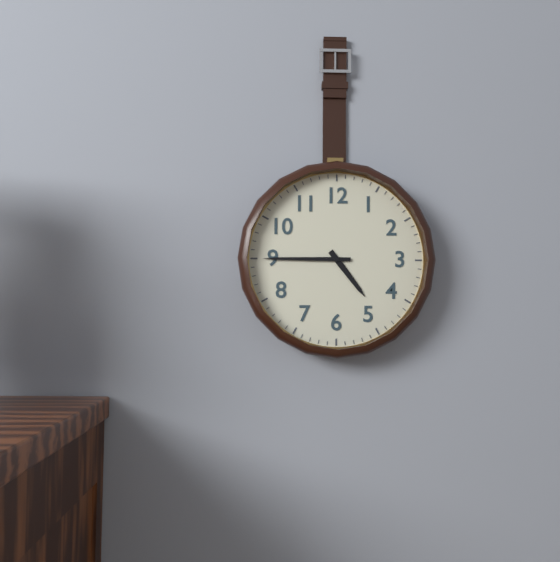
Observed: h=4 m=45
